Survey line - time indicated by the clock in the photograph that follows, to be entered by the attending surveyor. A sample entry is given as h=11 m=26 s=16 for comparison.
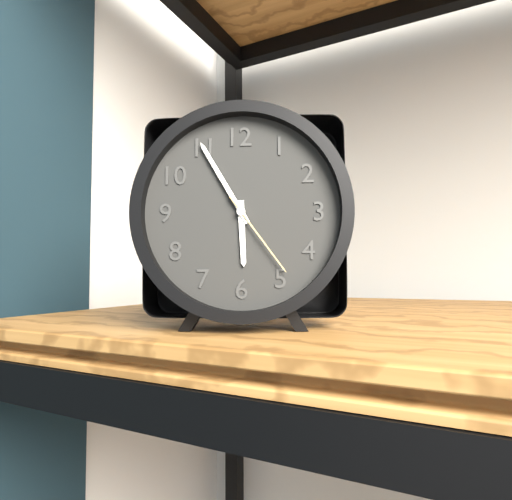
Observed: h=5 m=55 s=24
